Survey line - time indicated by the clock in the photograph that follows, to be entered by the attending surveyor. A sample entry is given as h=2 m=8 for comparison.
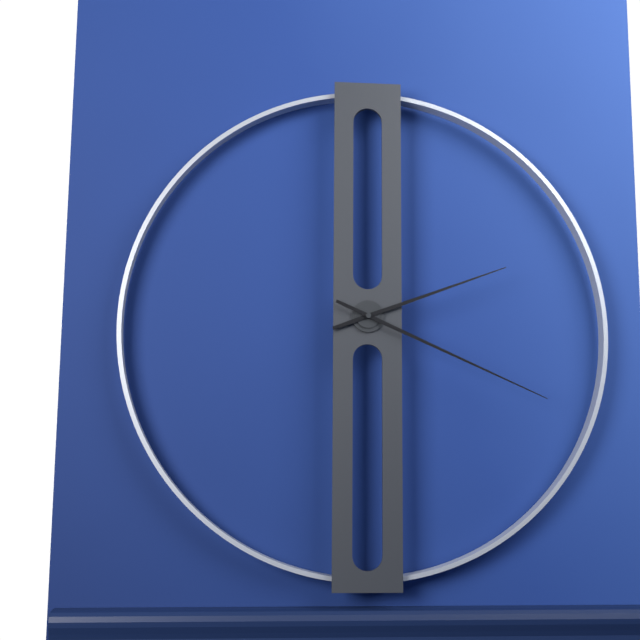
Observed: h=2 m=19
